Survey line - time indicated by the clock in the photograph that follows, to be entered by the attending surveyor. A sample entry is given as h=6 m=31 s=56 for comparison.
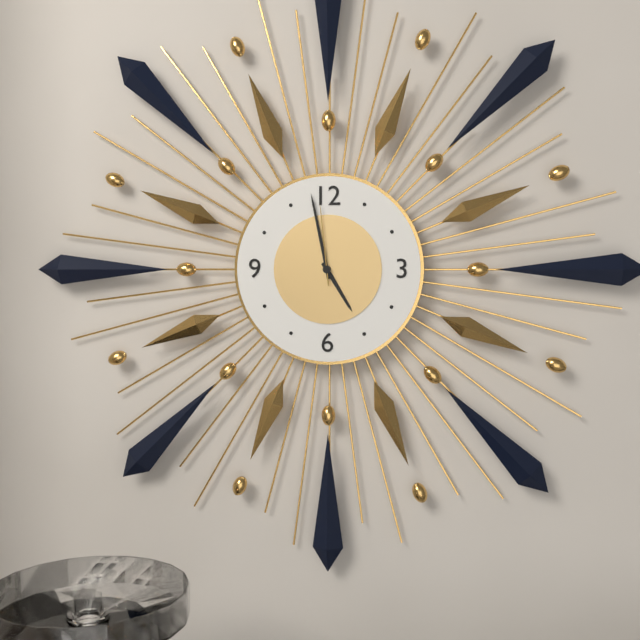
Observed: h=4 m=58 s=59
